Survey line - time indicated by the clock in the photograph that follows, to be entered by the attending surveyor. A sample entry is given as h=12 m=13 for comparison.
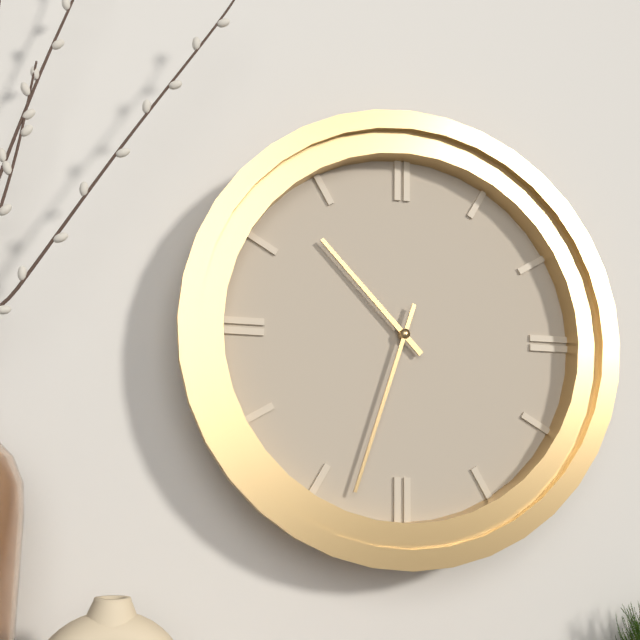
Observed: h=10 m=33
